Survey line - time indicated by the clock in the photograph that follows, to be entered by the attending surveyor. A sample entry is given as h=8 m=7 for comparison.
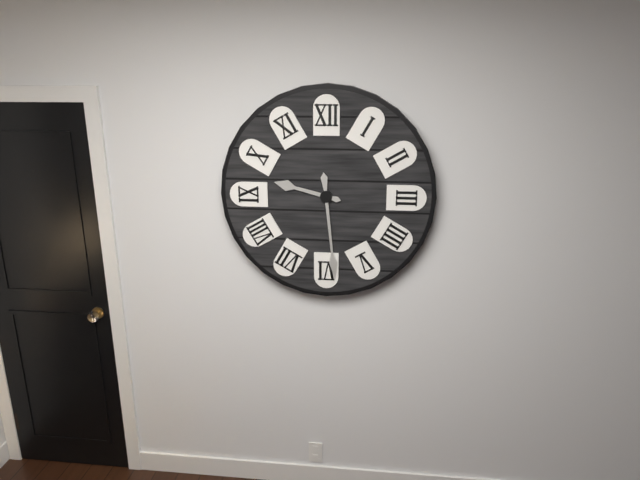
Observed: h=9 m=29
